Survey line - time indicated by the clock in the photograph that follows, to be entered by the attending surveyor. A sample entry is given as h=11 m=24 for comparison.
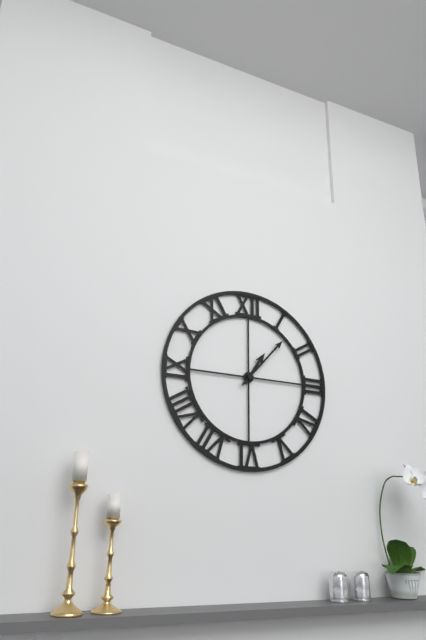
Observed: h=1 m=7
